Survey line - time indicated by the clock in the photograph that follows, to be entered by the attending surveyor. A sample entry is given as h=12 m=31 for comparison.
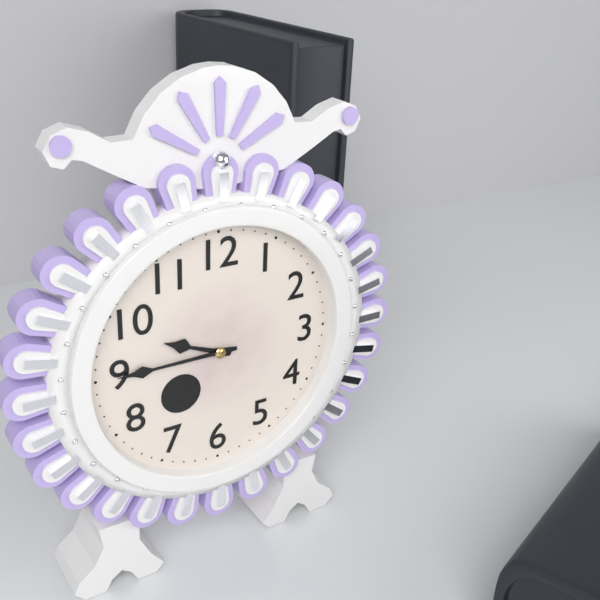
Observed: h=9 m=45
